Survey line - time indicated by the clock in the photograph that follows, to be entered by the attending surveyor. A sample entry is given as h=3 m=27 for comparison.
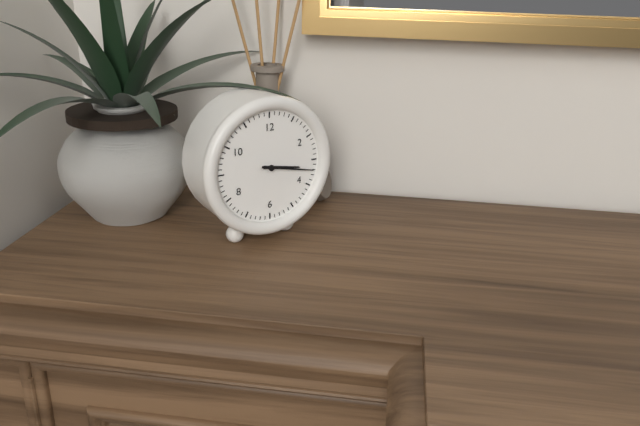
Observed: h=3 m=17
